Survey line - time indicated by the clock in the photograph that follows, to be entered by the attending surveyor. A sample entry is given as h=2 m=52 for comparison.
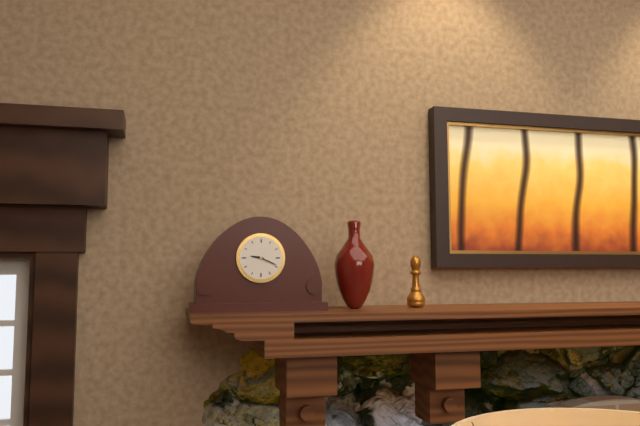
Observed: h=9 m=19
